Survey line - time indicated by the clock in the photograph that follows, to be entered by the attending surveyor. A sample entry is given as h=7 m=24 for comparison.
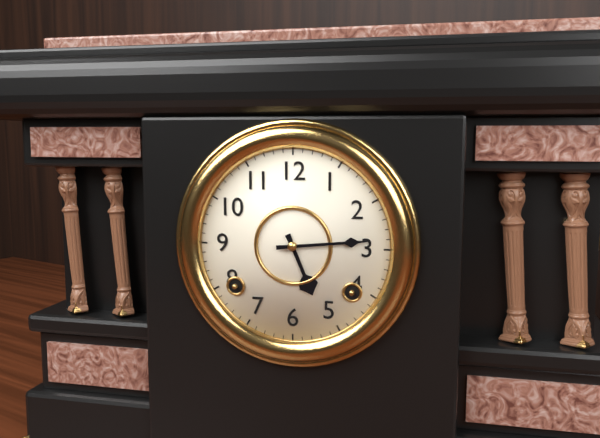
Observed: h=5 m=14
